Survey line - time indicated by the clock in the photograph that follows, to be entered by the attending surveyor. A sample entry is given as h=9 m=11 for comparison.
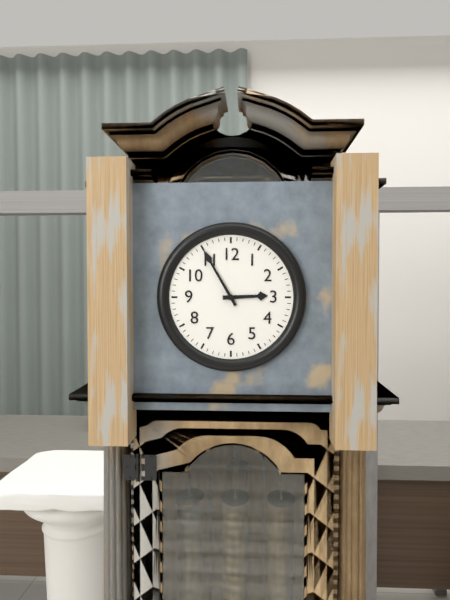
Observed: h=2 m=55
